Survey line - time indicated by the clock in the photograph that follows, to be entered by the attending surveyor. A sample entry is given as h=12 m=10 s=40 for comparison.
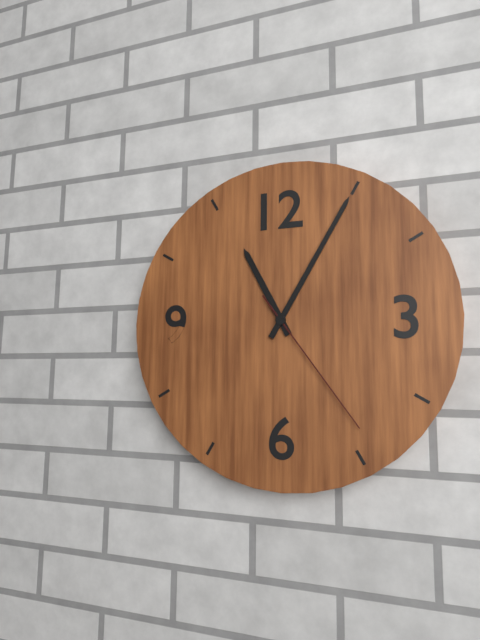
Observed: h=11 m=5 s=24
